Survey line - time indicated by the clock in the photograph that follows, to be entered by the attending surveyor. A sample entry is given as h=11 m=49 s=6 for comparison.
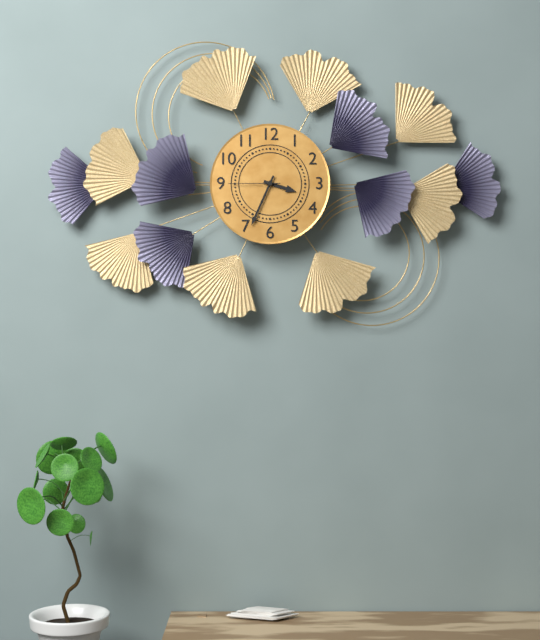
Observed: h=3 m=34 s=45
